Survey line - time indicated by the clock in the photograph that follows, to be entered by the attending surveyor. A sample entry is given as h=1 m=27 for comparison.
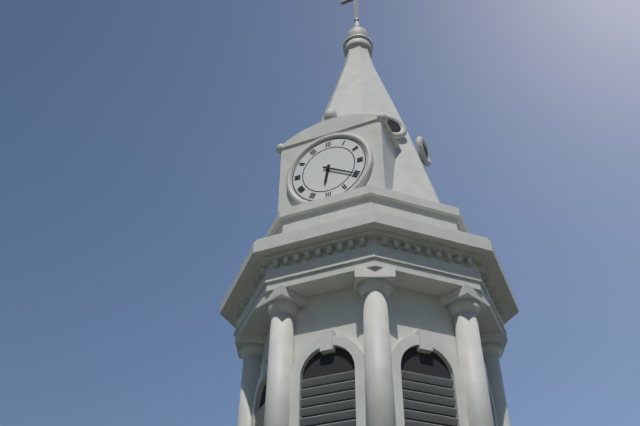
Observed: h=6 m=20
